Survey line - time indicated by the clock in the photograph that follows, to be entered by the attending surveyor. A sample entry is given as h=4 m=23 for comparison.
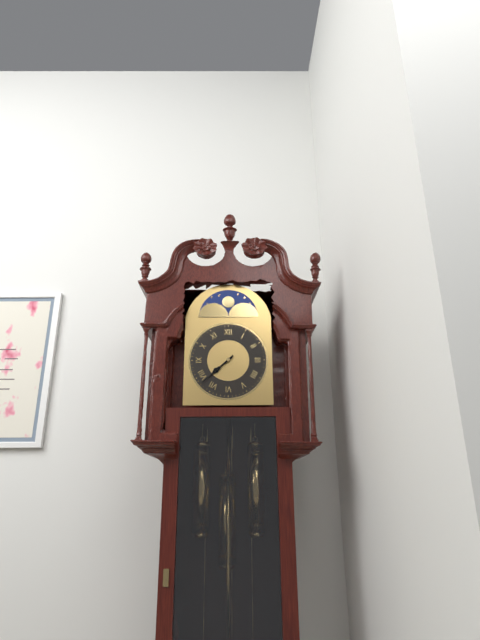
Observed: h=7 m=38
